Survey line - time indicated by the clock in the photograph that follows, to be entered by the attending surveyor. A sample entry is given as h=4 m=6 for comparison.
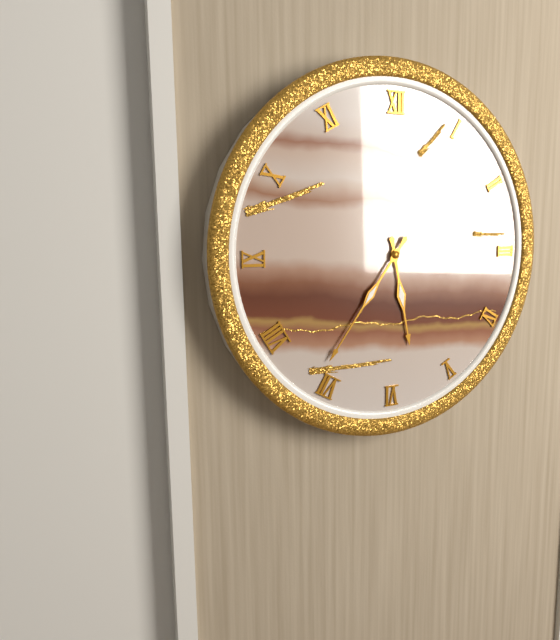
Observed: h=5 m=36
